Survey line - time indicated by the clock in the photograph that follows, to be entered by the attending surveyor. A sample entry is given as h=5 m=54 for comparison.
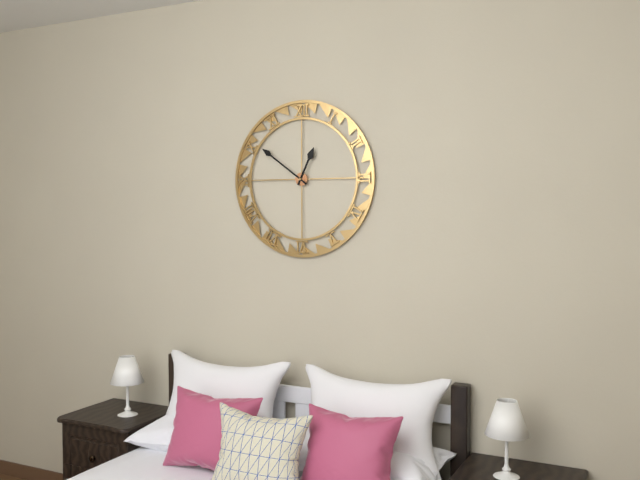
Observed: h=12 m=51
